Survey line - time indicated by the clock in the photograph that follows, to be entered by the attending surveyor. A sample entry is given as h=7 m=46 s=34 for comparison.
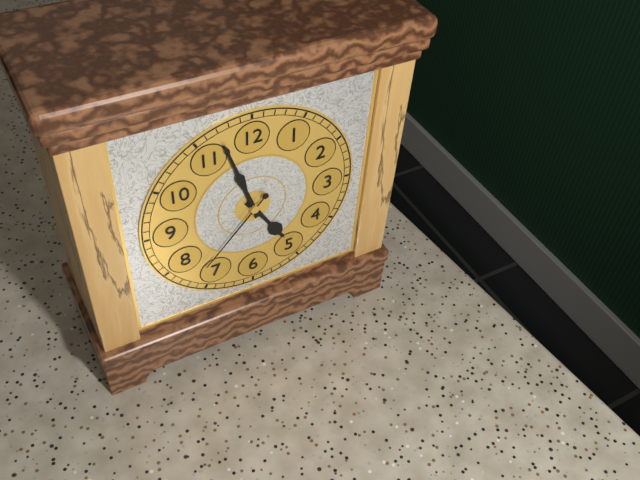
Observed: h=4 m=57 s=37
